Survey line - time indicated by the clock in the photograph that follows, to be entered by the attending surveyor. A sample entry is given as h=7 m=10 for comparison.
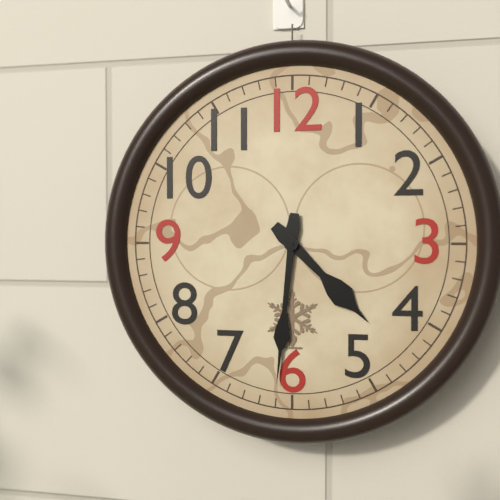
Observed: h=4 m=31
